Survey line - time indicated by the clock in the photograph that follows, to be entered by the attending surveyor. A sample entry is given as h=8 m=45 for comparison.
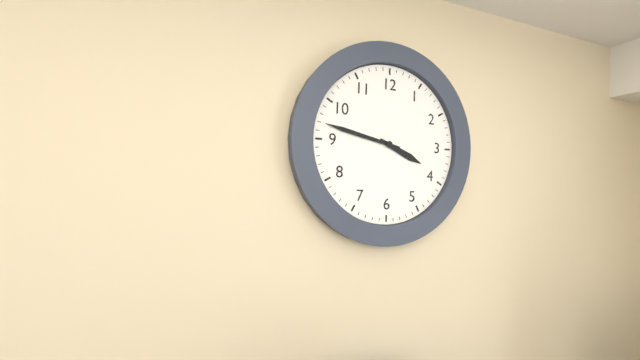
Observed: h=3 m=47
